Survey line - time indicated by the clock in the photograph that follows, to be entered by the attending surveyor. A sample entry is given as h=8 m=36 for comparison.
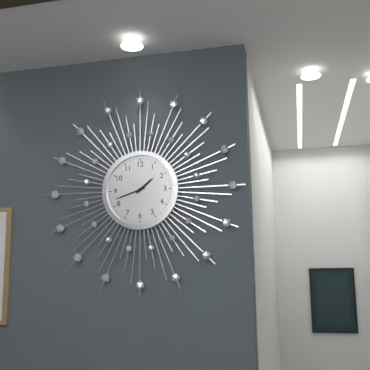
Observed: h=1 m=42
